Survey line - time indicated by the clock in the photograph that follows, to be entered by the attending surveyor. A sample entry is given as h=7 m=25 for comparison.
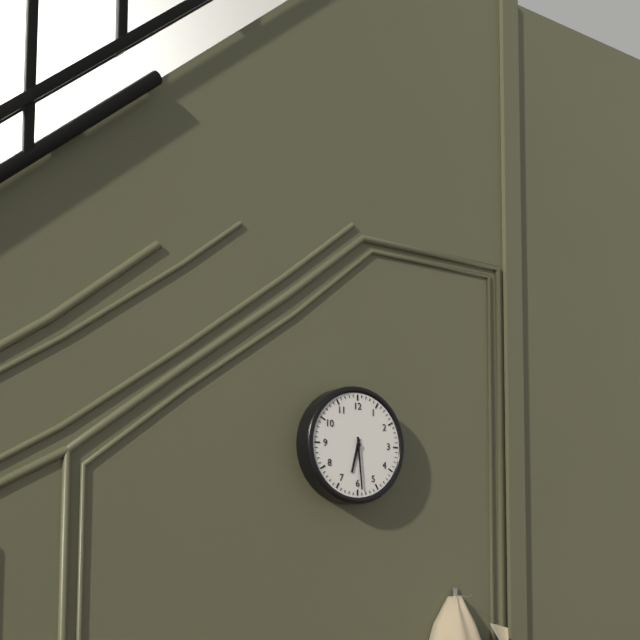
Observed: h=6 m=29
